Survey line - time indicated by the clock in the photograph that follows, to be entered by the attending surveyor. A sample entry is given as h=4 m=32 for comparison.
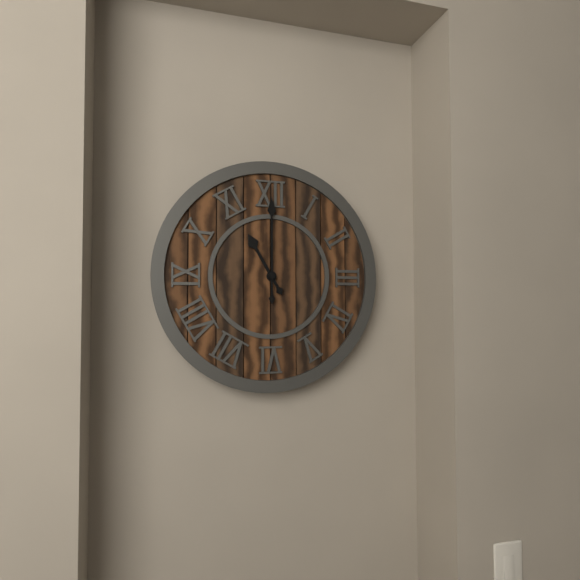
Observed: h=11 m=0
